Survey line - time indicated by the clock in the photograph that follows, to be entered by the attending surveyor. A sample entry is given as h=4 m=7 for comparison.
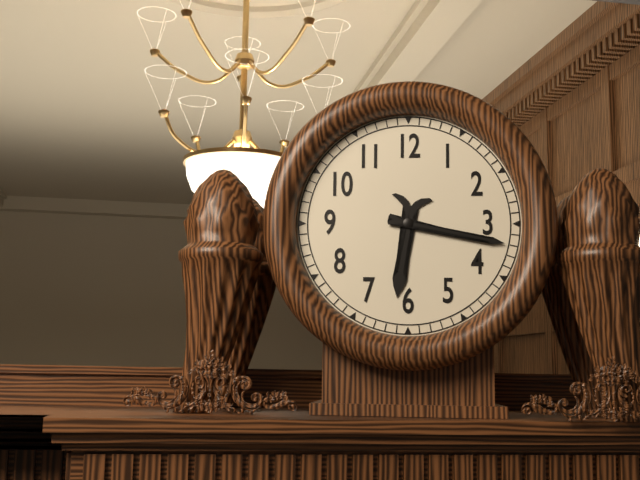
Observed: h=6 m=17
